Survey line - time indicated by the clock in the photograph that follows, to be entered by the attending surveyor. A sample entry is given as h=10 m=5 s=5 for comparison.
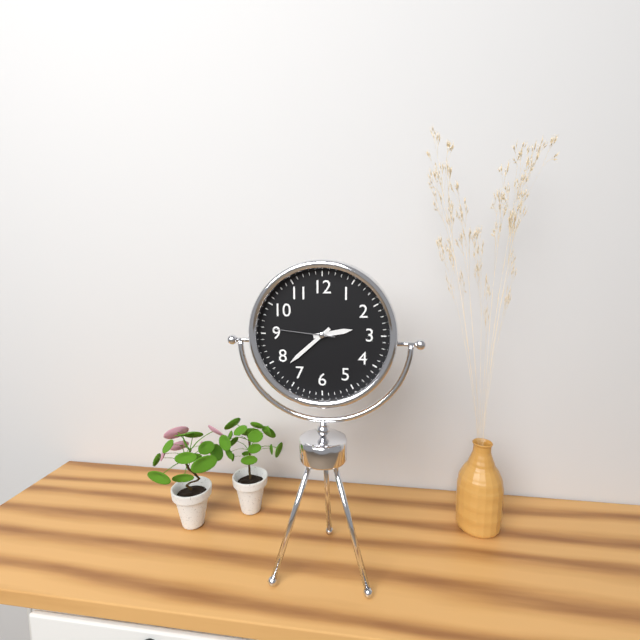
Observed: h=2 m=38 s=46
